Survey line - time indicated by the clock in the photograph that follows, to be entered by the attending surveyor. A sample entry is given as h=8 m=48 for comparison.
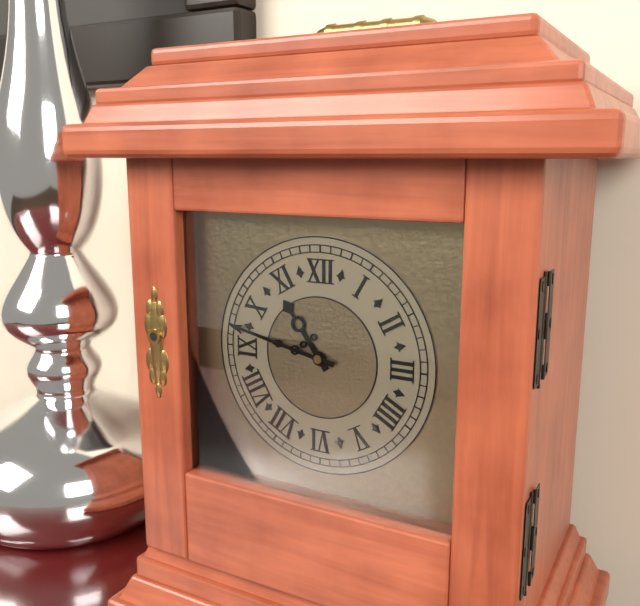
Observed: h=10 m=47
